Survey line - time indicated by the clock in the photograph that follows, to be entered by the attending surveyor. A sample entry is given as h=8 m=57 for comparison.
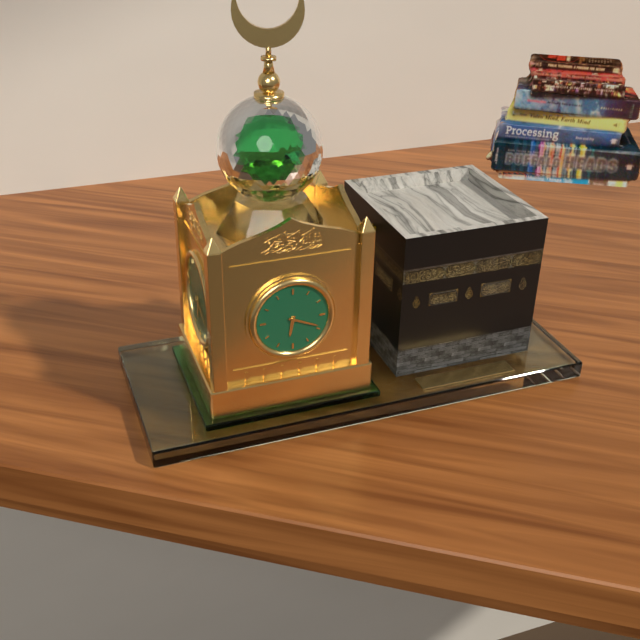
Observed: h=6 m=19
